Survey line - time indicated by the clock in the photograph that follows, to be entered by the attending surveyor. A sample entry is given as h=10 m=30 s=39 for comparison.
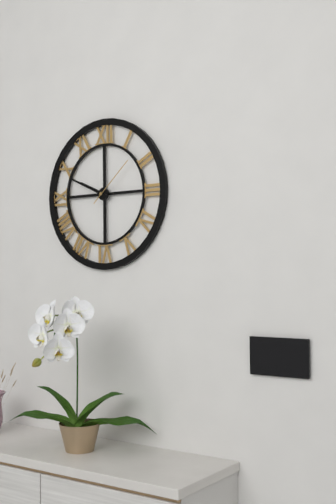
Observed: h=9 m=49 s=8
